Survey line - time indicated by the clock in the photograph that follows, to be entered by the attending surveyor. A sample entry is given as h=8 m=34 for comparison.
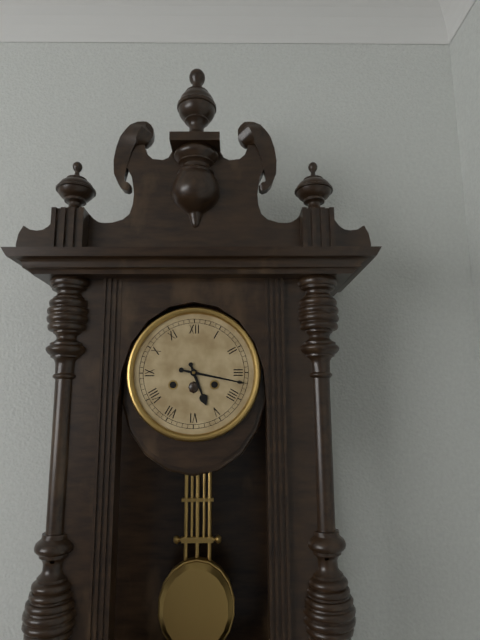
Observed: h=5 m=17
